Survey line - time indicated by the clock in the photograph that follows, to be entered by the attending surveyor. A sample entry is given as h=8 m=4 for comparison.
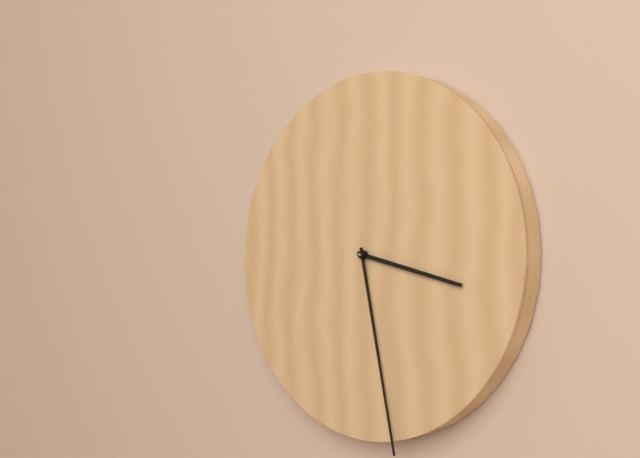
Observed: h=3 m=28
